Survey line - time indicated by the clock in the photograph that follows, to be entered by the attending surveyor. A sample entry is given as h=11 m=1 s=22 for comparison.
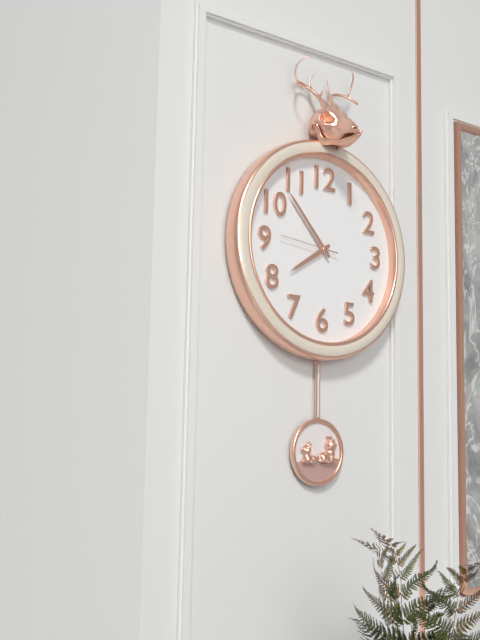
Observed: h=7 m=53 s=46
